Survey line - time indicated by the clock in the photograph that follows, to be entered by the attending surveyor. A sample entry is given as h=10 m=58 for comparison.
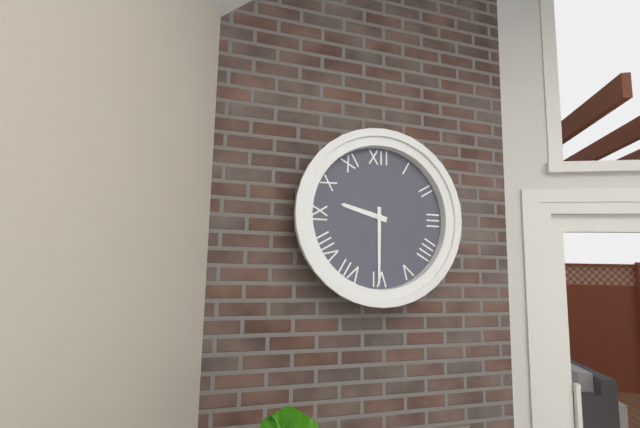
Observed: h=9 m=30
